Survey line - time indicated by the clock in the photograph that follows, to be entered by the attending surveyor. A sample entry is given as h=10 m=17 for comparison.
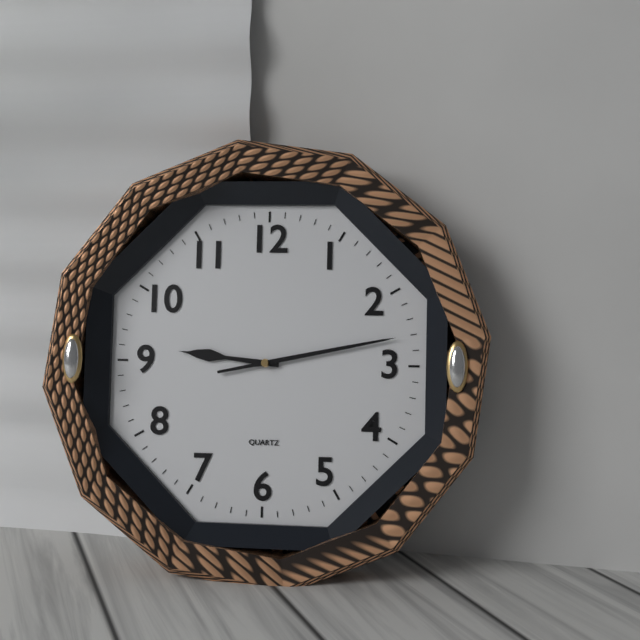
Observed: h=9 m=13
